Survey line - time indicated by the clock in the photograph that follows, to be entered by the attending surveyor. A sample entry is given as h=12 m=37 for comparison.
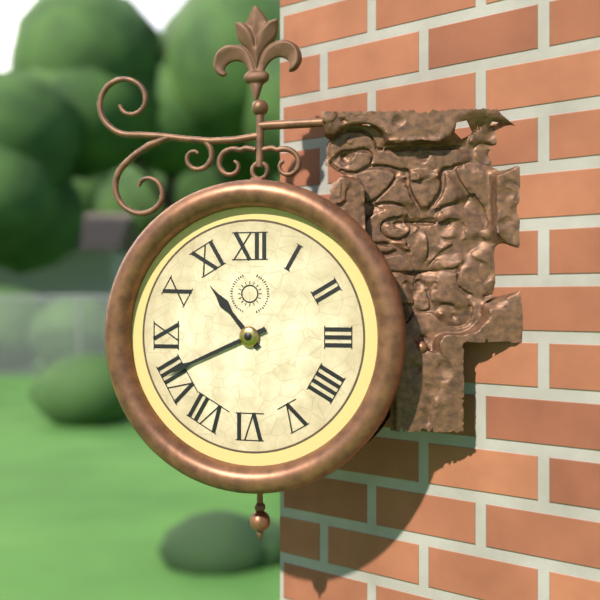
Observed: h=10 m=41
